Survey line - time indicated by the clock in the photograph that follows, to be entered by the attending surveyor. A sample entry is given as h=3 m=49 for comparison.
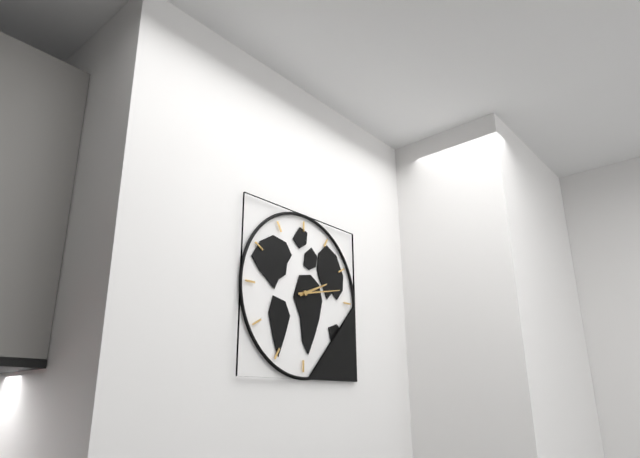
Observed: h=2 m=13
